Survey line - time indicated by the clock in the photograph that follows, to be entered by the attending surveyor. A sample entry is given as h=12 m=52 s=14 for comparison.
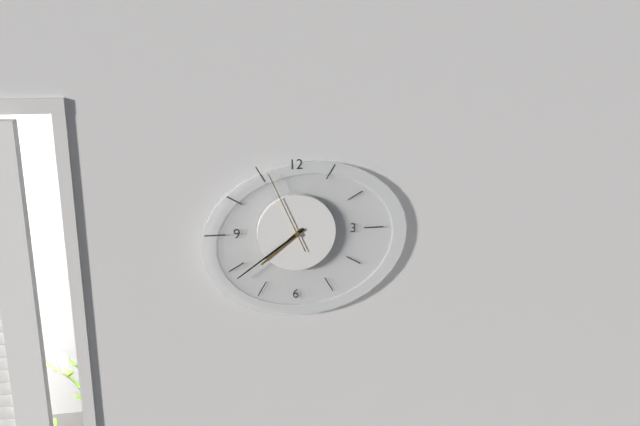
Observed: h=7 m=39 s=56
